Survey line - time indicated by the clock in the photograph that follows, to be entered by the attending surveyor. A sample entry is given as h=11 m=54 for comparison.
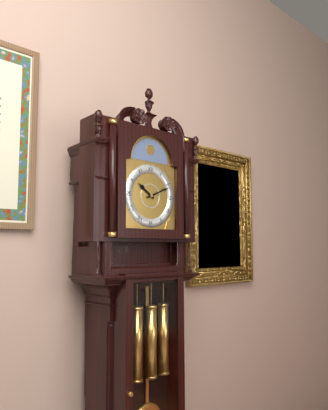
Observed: h=10 m=11
